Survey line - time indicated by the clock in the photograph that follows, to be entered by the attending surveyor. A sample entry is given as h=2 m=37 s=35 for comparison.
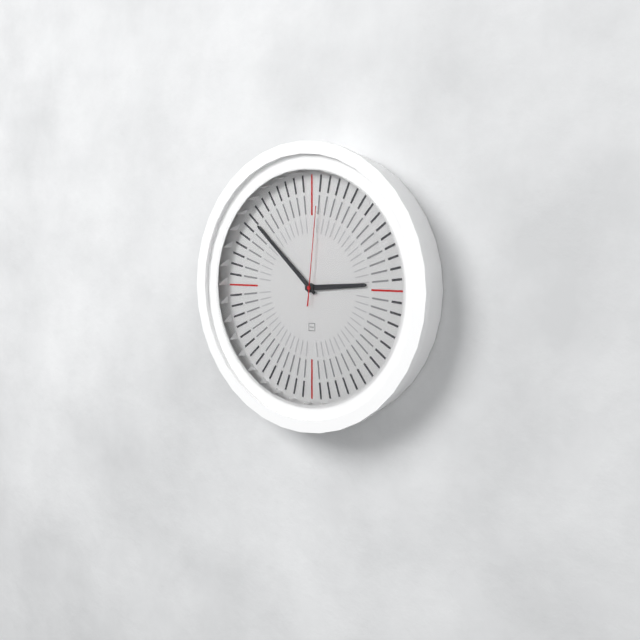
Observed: h=2 m=52 s=1
